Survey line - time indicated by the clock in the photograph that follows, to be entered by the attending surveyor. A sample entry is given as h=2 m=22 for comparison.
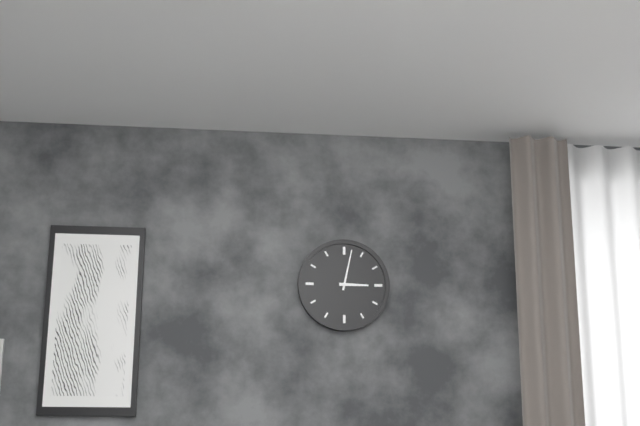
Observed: h=3 m=2
